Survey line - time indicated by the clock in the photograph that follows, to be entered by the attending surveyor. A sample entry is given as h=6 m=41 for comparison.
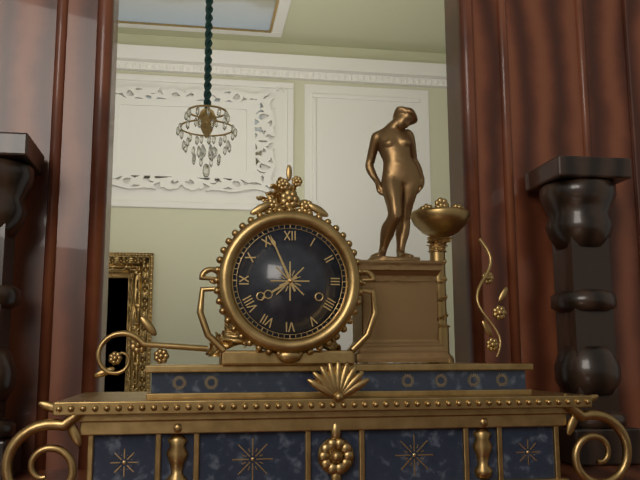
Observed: h=7 m=56
